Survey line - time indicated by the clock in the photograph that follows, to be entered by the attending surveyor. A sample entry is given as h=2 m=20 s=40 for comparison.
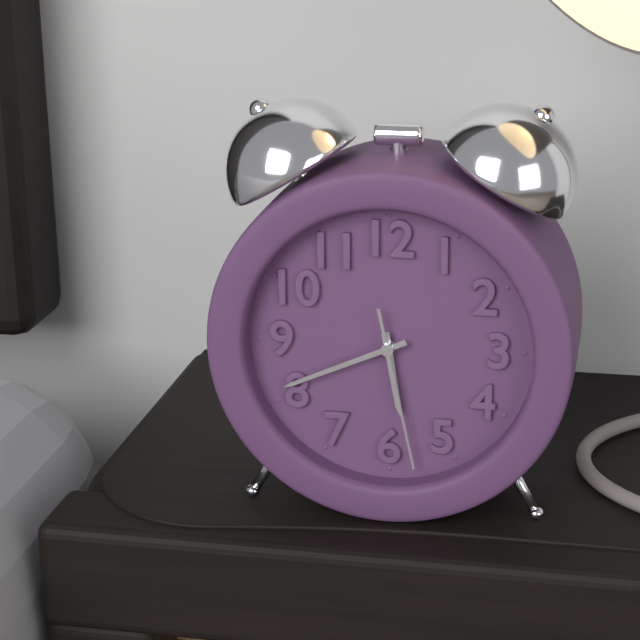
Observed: h=5 m=41 s=28
